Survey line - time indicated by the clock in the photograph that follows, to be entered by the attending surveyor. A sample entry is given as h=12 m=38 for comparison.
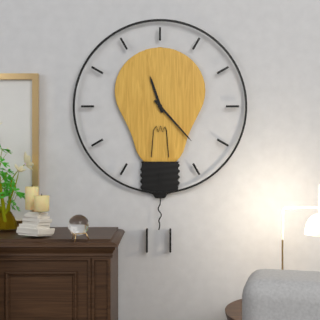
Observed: h=11 m=23
